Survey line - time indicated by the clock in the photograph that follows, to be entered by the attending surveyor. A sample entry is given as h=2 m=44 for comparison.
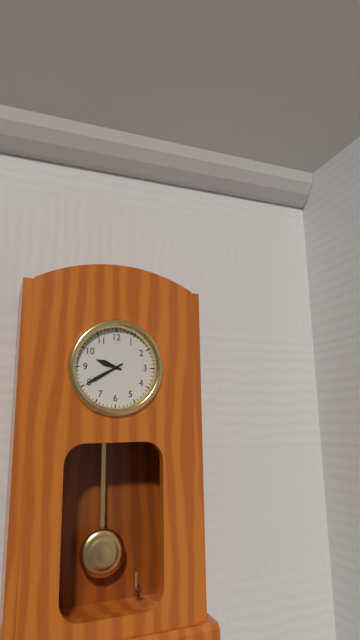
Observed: h=9 m=40
